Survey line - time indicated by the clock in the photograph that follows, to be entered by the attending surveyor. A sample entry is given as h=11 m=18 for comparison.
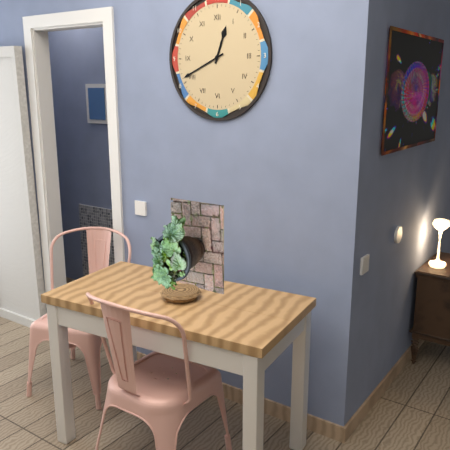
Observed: h=12 m=41
